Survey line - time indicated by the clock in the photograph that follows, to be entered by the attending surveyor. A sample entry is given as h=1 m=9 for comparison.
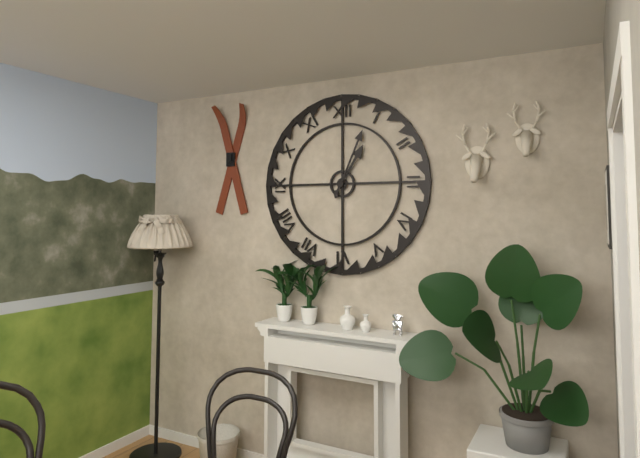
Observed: h=1 m=4
